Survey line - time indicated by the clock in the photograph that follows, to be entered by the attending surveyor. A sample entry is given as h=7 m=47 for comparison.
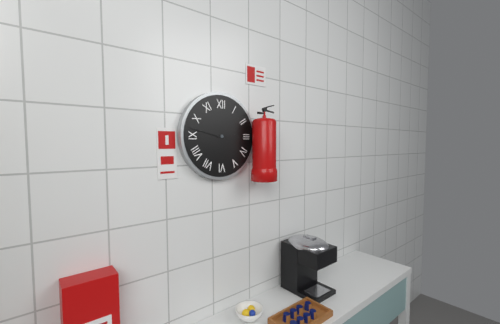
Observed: h=2 m=47
